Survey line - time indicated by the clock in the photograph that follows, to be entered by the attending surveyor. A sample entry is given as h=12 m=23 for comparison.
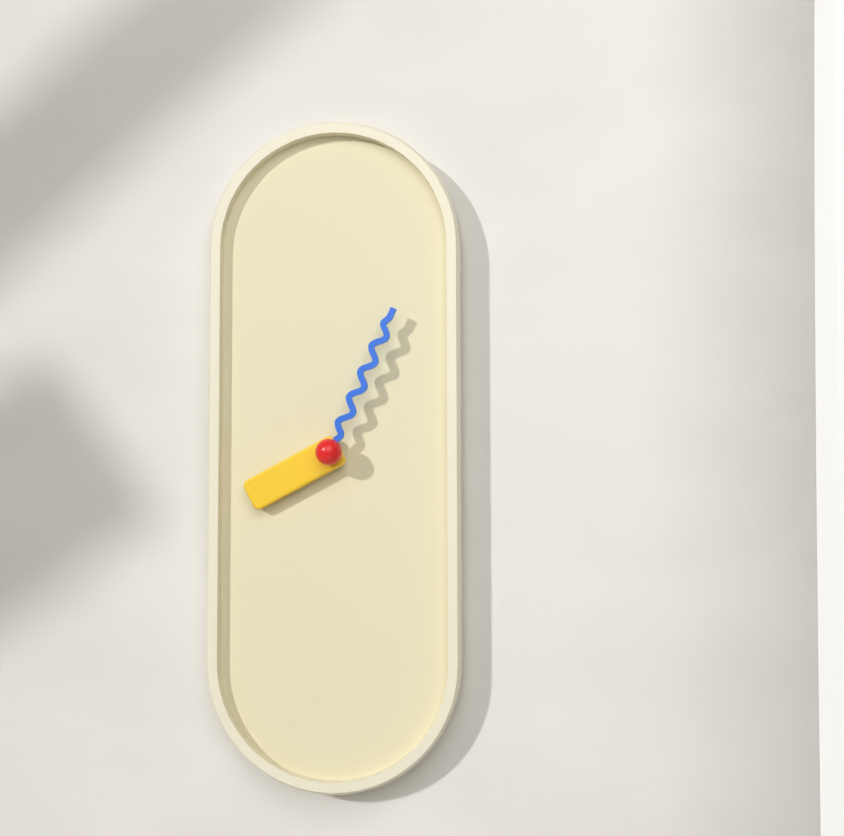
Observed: h=8 m=4
